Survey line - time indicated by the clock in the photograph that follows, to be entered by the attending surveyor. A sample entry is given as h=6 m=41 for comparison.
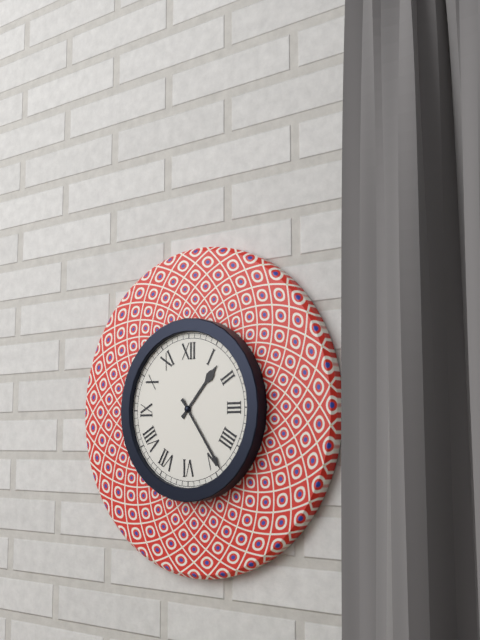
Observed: h=1 m=24
